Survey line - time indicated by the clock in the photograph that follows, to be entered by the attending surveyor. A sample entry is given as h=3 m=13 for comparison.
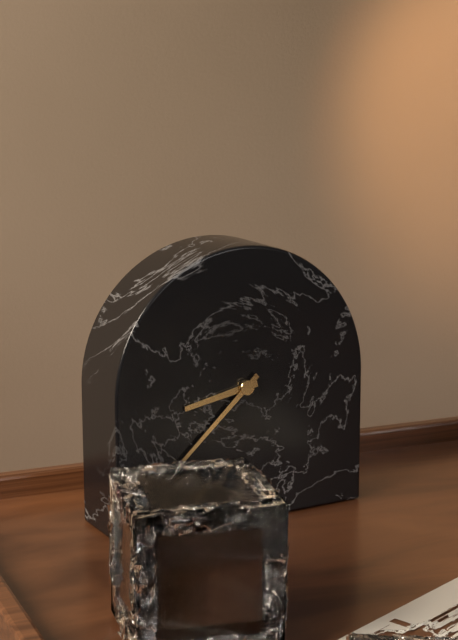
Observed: h=8 m=38
